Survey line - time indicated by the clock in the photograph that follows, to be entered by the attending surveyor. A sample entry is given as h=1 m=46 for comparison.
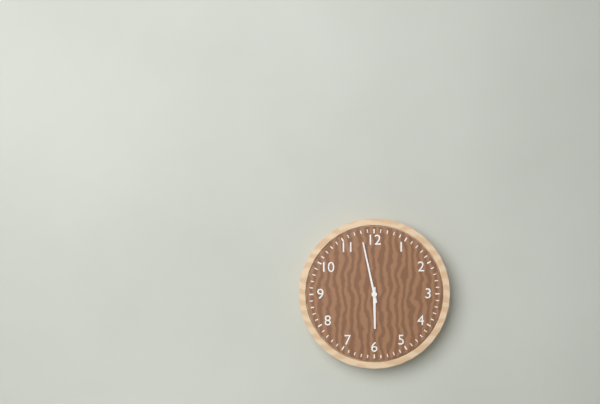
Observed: h=5 m=58
